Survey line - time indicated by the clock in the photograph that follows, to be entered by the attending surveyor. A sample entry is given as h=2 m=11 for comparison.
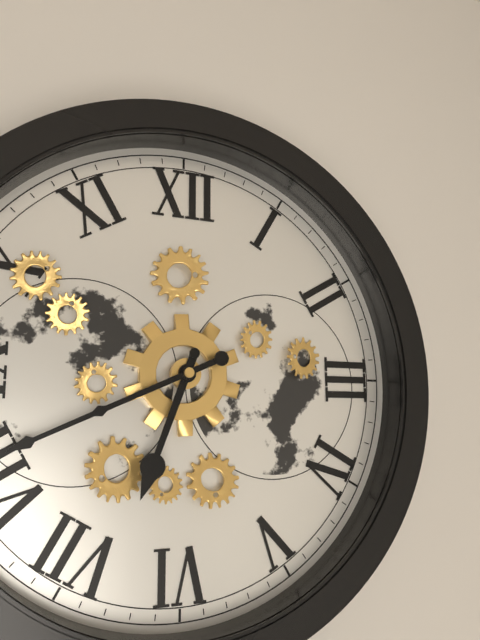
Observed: h=6 m=41
